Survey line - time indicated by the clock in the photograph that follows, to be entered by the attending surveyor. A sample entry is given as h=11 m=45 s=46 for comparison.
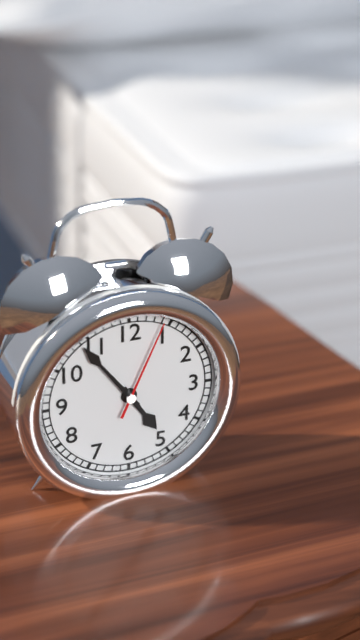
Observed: h=4 m=54 s=4
